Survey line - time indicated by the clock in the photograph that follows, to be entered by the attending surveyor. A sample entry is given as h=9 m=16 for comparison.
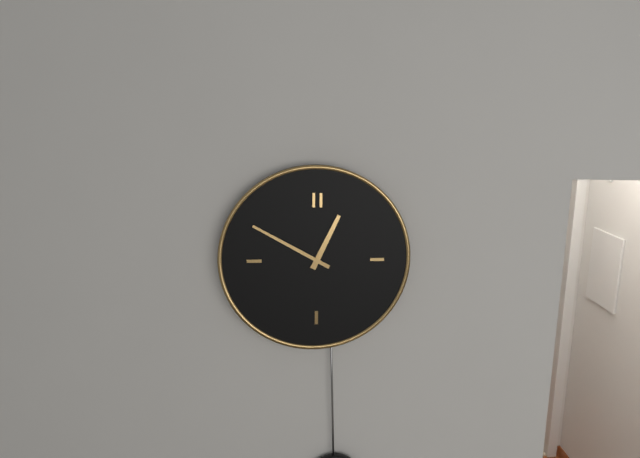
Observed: h=12 m=50
